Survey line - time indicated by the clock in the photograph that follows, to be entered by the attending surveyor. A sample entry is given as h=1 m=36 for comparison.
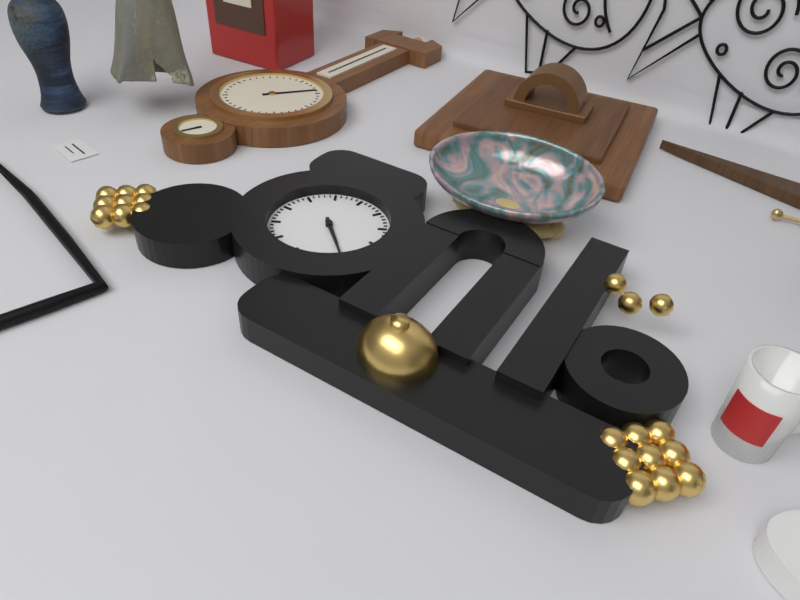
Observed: h=4 m=22
